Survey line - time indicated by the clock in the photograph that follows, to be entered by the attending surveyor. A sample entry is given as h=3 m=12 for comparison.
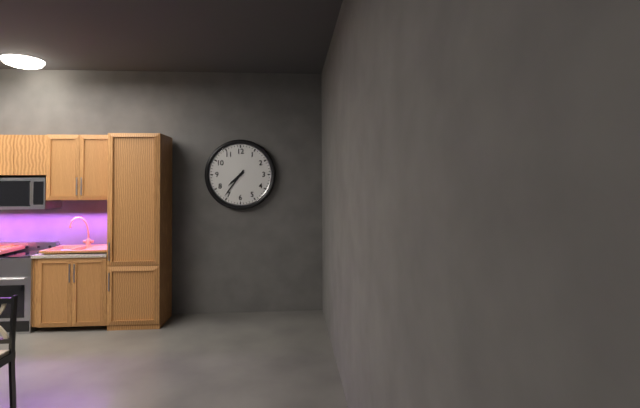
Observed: h=7 m=36
